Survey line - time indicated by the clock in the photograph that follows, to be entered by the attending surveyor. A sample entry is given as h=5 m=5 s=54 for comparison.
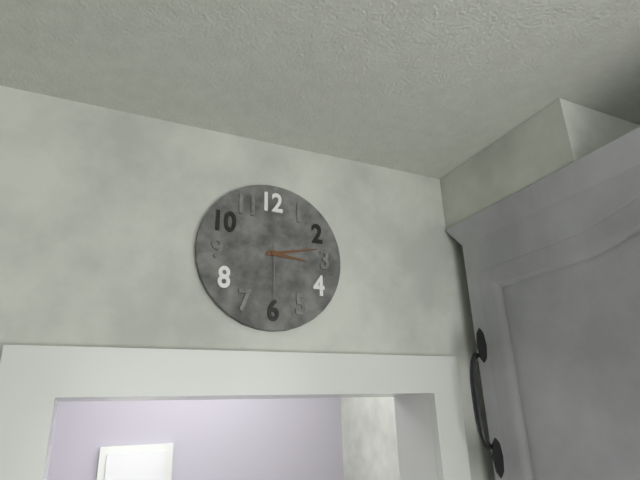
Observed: h=3 m=13 s=30
